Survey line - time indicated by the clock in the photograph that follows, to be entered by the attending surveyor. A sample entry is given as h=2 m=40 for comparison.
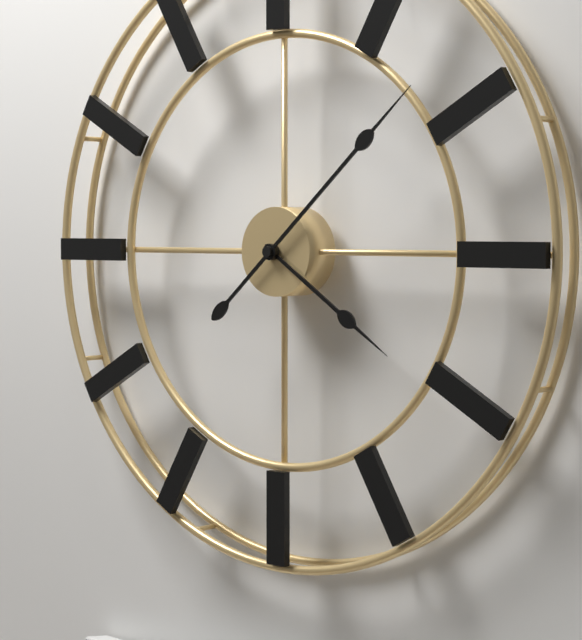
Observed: h=4 m=8
